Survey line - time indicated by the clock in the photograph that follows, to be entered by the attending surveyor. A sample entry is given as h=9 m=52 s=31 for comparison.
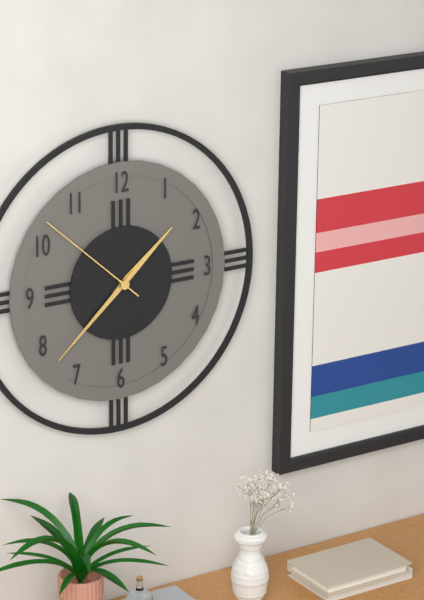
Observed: h=1 m=38 s=52
